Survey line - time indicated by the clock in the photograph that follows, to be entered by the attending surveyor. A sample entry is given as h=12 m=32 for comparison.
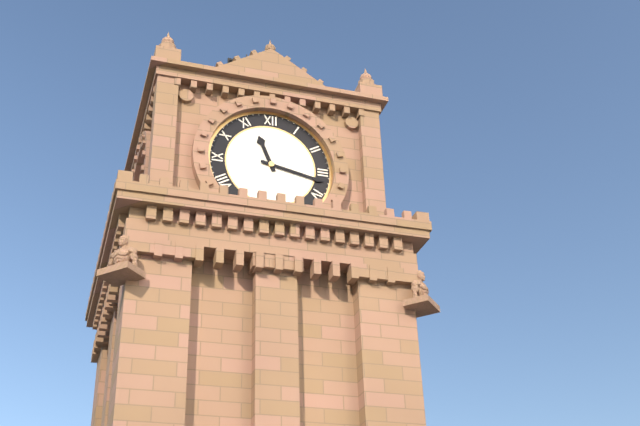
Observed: h=11 m=17
